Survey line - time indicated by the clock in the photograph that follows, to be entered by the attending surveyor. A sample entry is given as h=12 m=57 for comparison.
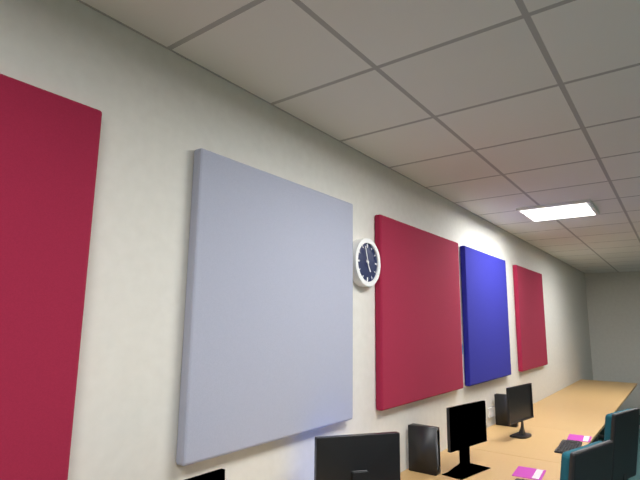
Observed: h=4 m=57
